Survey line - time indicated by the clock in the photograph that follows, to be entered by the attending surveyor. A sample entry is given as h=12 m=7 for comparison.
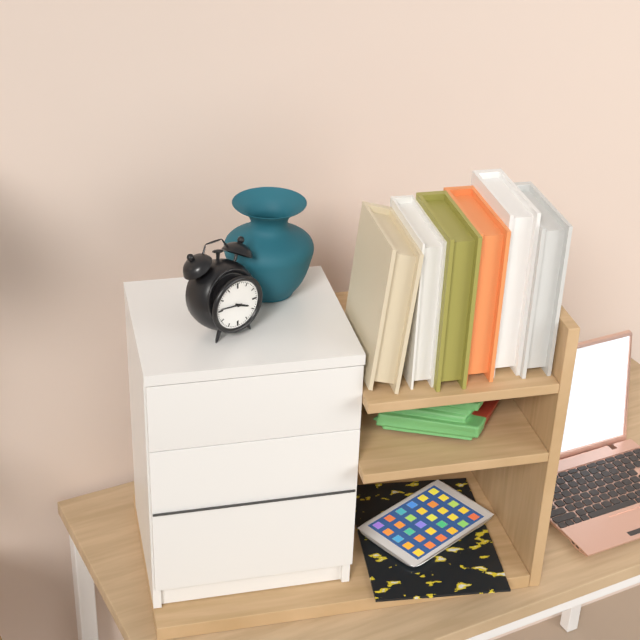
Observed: h=3 m=46
